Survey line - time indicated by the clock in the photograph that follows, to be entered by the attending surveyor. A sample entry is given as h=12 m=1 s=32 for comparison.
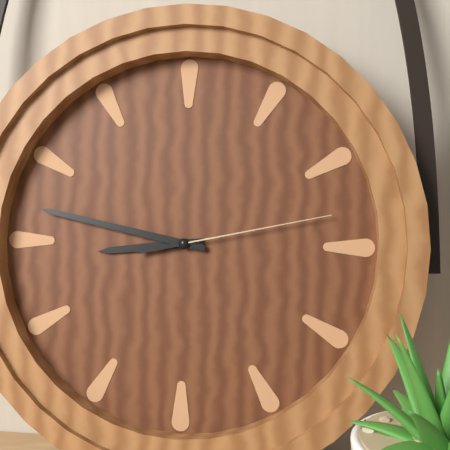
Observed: h=8 m=47 s=13
